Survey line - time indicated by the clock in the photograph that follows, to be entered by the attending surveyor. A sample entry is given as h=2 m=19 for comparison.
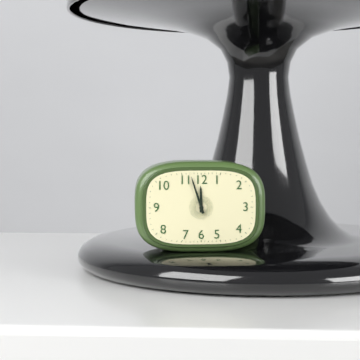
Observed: h=11 m=57
